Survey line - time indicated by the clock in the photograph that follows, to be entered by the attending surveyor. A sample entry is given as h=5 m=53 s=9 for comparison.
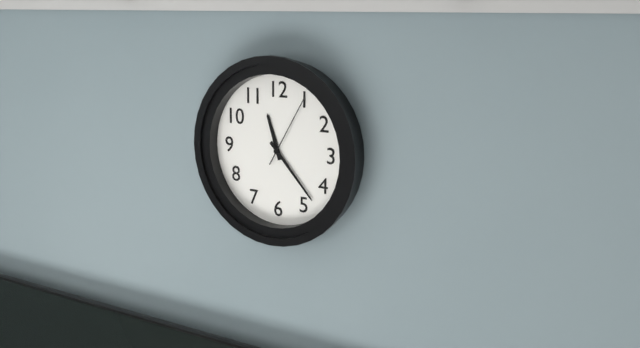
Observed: h=11 m=23 s=5
